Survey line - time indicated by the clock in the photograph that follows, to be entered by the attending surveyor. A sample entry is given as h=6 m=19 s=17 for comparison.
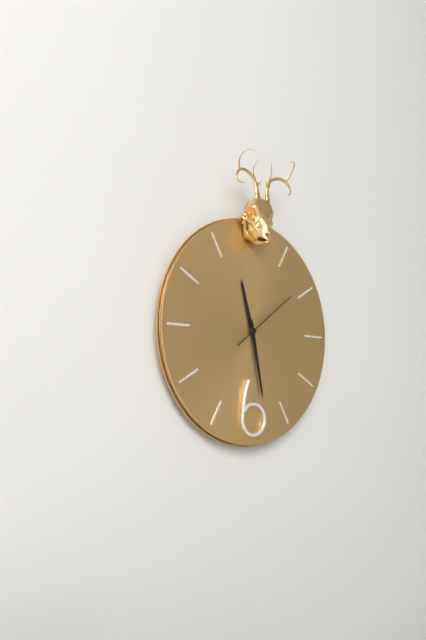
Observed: h=11 m=28 s=9
